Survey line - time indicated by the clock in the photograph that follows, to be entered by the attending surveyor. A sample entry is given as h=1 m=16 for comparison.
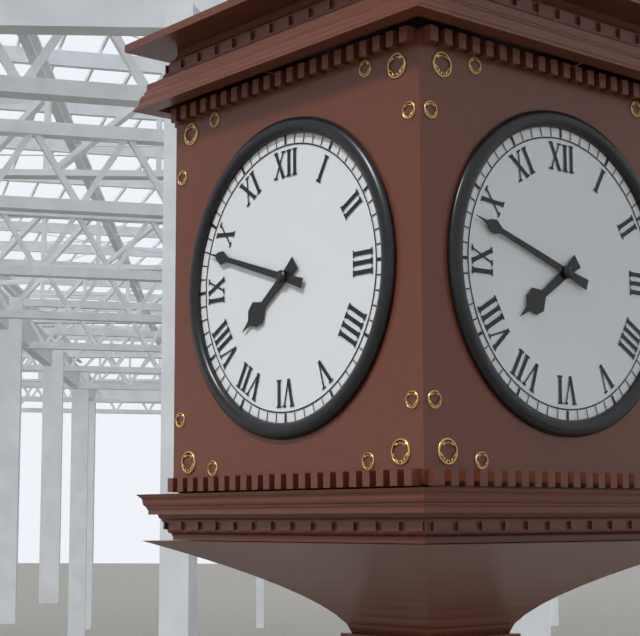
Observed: h=7 m=48
